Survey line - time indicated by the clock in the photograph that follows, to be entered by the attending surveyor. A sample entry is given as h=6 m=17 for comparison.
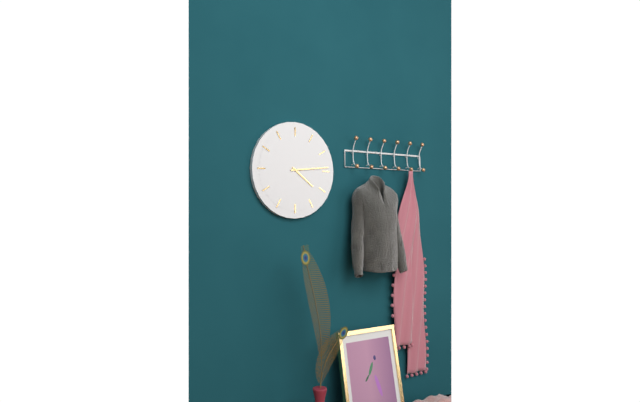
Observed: h=4 m=14
